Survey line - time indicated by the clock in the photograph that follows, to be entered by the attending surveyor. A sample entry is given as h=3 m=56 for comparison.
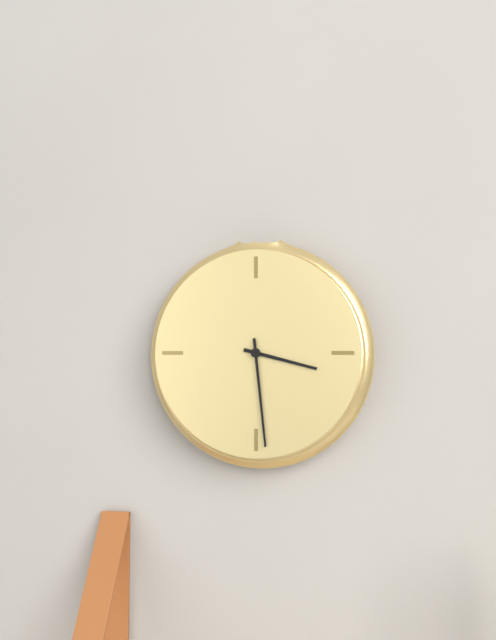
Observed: h=3 m=29
